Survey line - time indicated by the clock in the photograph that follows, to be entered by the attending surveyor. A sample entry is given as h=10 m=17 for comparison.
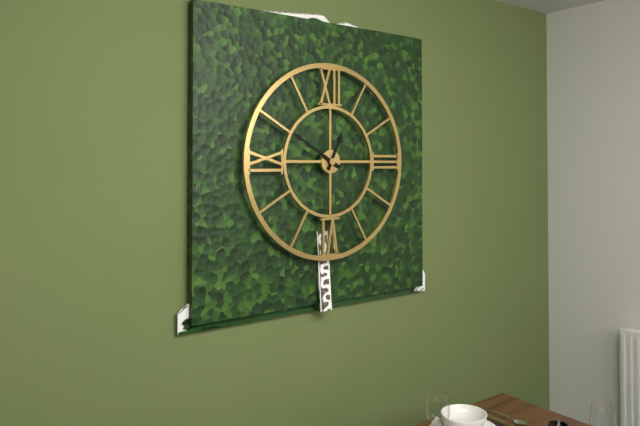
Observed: h=12 m=50
